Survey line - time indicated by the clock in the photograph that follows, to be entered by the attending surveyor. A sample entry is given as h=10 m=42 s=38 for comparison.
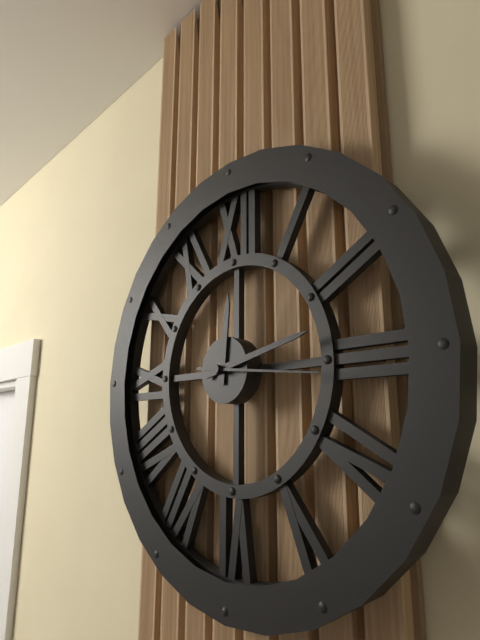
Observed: h=12 m=13 s=16
